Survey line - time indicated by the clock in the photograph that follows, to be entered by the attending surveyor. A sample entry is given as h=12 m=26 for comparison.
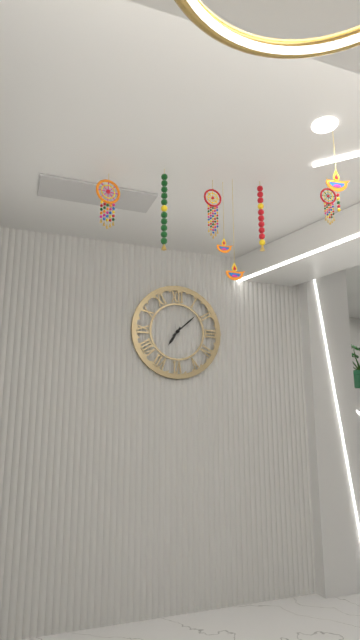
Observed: h=7 m=8
